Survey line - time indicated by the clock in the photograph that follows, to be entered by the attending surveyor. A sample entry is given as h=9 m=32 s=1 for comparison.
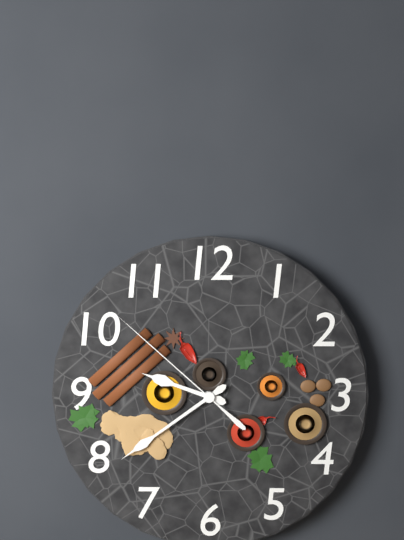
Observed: h=9 m=39 s=52
